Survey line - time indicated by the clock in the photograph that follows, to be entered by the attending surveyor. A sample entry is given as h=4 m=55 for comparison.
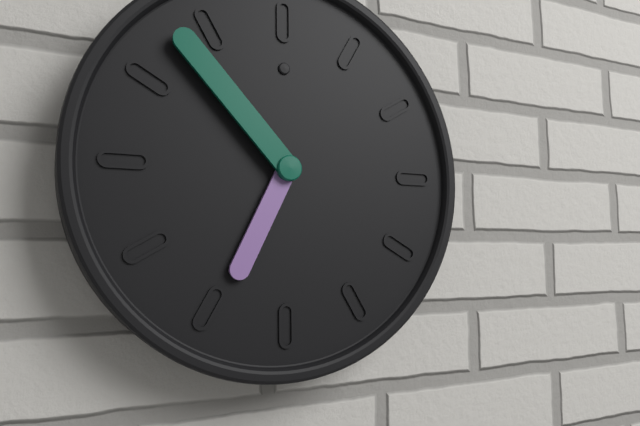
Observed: h=6 m=53
